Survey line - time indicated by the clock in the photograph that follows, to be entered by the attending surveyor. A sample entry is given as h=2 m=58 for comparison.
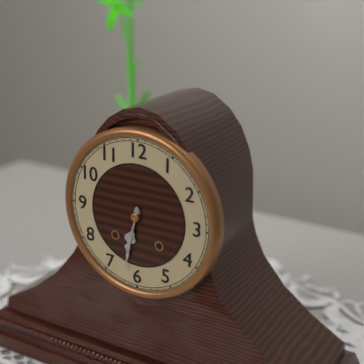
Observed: h=6 m=32
